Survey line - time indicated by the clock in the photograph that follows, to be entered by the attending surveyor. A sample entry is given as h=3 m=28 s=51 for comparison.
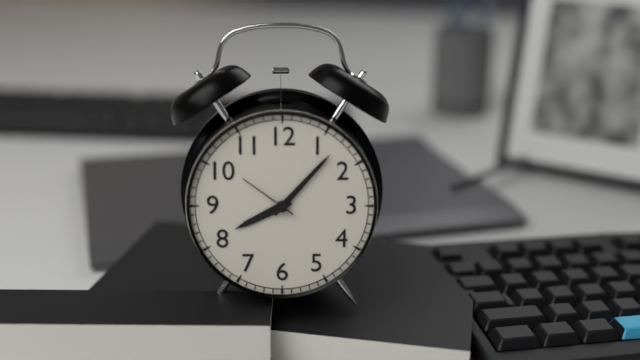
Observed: h=8 m=7 s=51
